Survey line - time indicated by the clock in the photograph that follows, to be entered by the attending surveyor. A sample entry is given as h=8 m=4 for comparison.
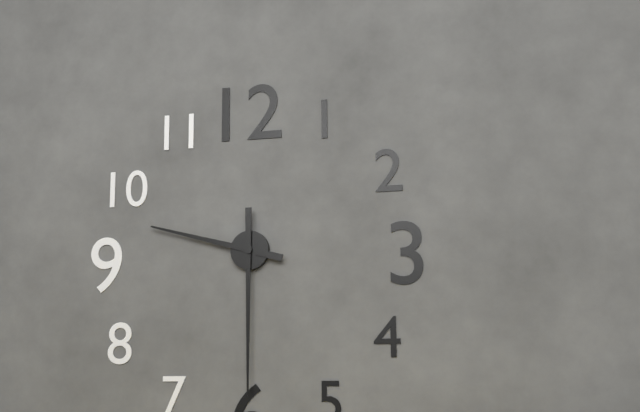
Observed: h=9 m=30
